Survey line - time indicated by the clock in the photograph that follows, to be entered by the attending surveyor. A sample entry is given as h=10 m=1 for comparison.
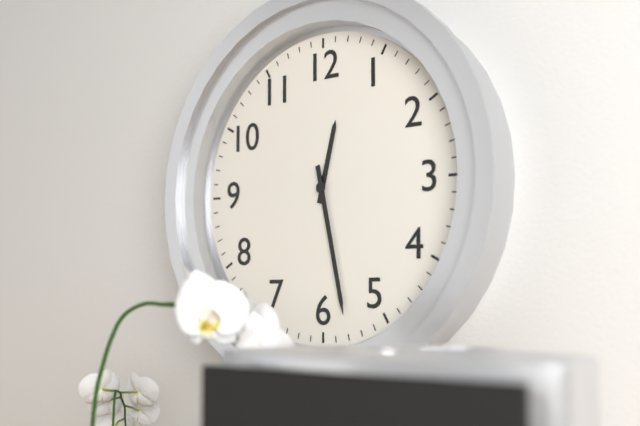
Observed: h=12 m=28
